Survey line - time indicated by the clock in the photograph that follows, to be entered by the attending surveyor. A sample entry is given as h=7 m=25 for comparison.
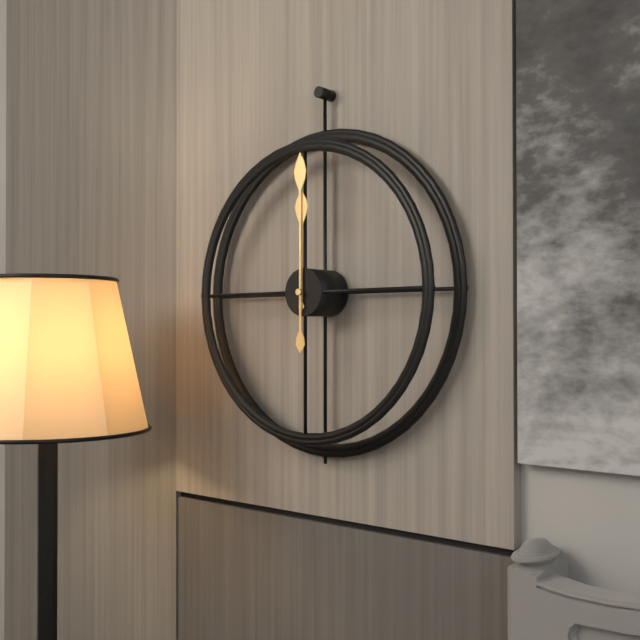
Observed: h=12 m=0
